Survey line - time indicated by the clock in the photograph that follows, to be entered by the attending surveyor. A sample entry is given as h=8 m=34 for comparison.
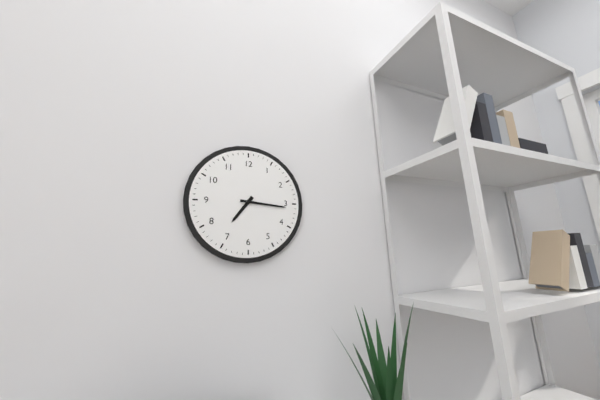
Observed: h=7 m=16
